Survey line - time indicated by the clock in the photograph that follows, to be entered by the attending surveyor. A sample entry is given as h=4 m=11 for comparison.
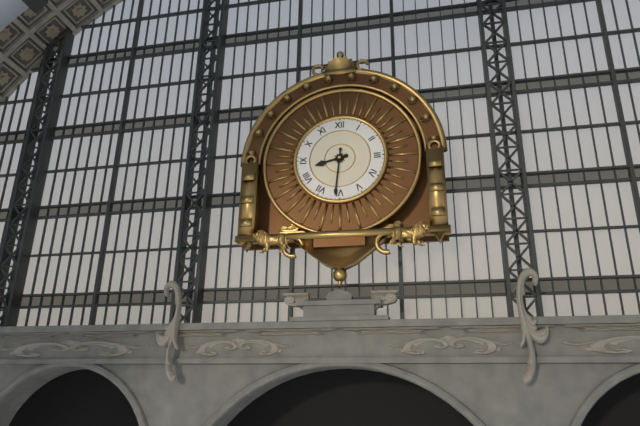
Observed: h=8 m=31
